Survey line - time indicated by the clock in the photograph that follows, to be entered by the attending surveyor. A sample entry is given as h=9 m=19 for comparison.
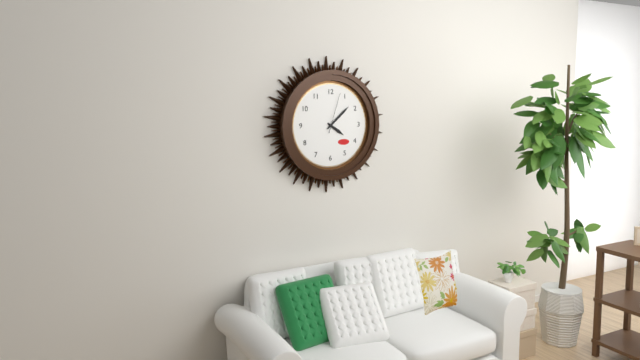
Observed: h=4 m=8
